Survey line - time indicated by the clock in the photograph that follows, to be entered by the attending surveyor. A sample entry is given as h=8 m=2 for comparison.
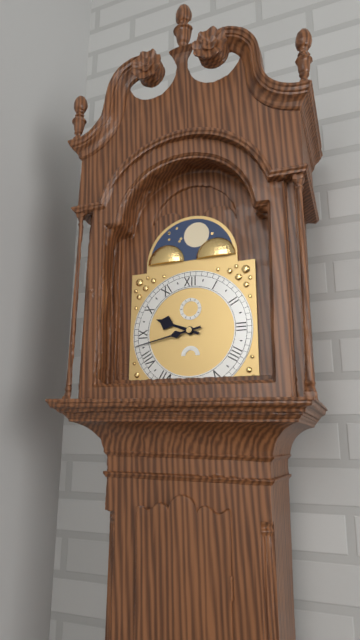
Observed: h=9 m=43
